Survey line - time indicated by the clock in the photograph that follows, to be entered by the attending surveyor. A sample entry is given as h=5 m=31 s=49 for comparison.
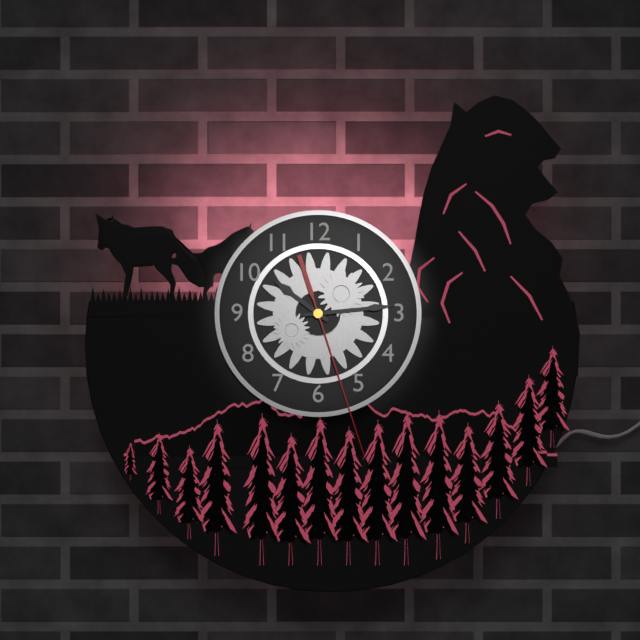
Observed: h=10 m=14 s=27
